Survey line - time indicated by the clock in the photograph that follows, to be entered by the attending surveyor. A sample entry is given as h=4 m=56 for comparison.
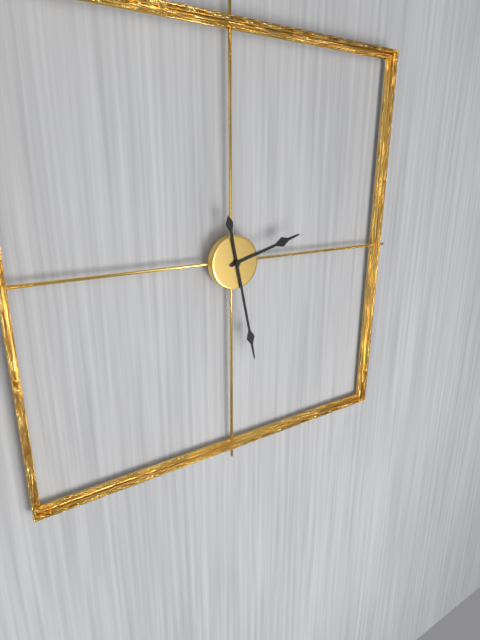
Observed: h=2 m=28
